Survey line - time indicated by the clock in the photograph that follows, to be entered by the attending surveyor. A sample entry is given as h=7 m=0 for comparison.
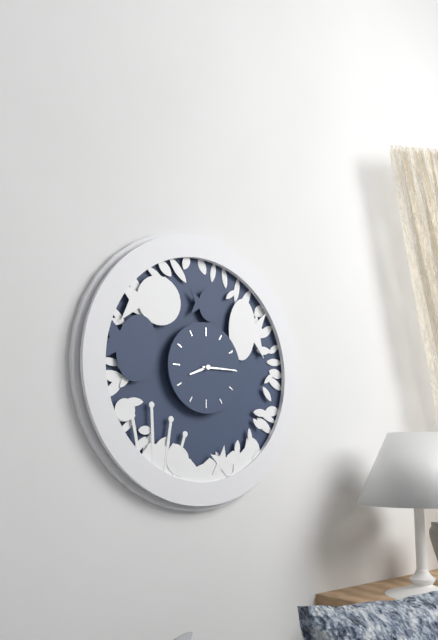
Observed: h=8 m=15
